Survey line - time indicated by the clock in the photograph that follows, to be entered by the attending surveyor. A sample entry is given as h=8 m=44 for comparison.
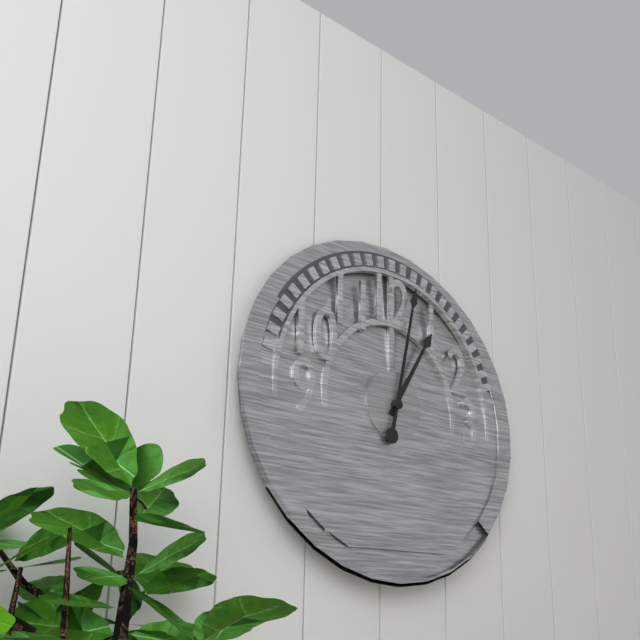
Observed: h=1 m=2
